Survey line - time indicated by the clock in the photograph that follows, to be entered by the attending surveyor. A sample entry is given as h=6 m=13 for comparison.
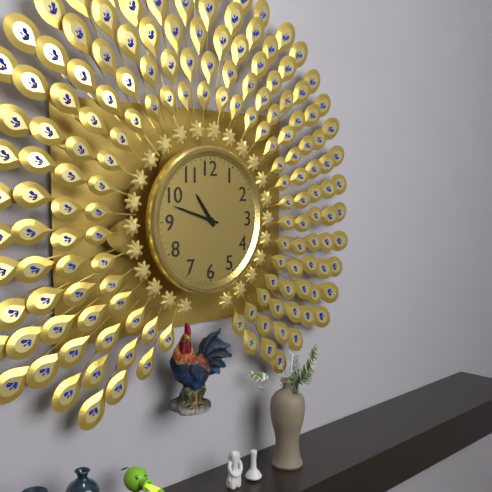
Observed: h=10 m=48
